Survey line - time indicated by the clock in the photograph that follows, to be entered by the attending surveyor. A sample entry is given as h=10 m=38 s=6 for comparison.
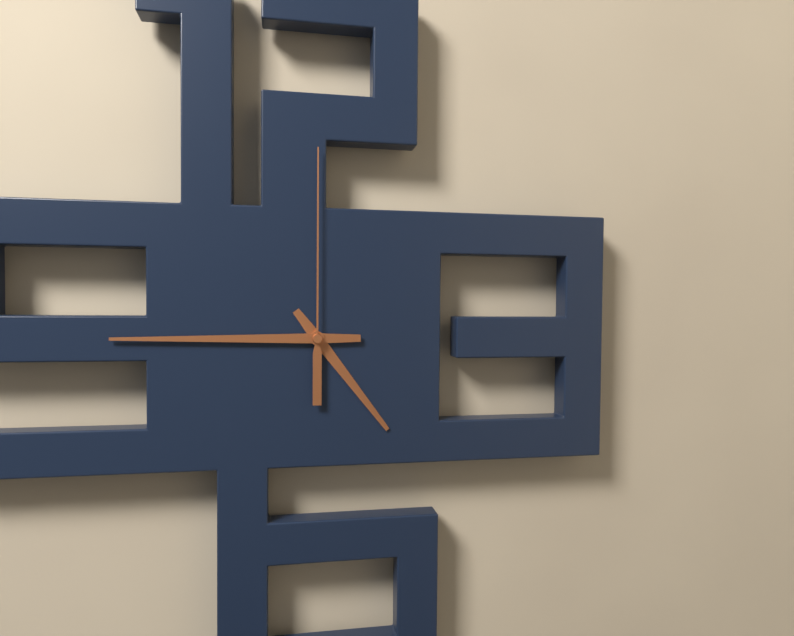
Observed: h=4 m=45 s=0
